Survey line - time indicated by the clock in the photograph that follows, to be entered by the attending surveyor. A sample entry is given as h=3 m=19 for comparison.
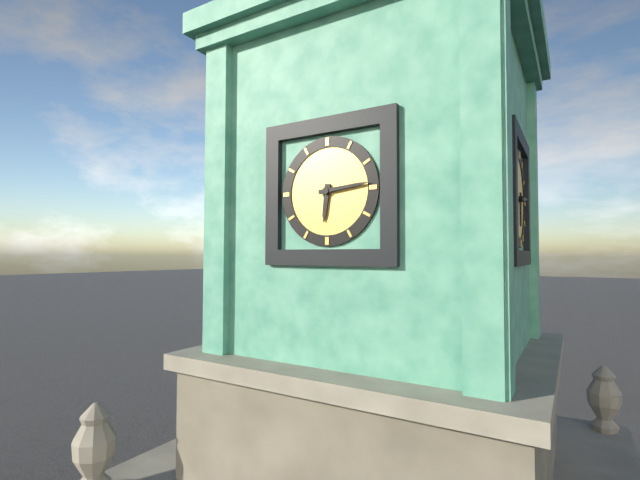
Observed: h=6 m=14
